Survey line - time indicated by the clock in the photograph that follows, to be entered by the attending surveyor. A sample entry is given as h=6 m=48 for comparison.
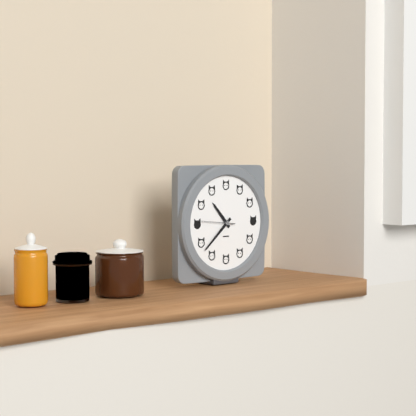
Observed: h=10 m=38
